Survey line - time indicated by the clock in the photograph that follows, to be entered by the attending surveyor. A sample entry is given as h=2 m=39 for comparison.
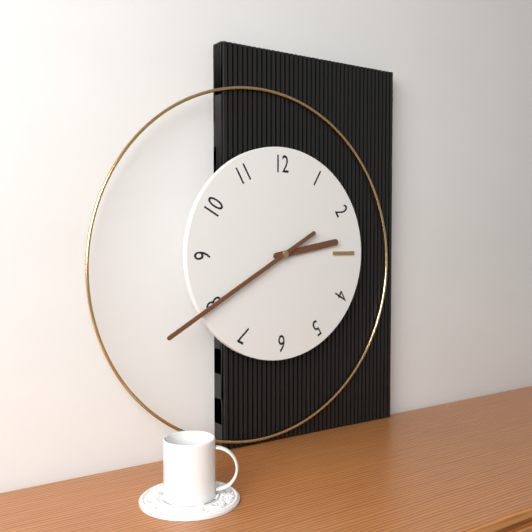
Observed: h=2 m=40
